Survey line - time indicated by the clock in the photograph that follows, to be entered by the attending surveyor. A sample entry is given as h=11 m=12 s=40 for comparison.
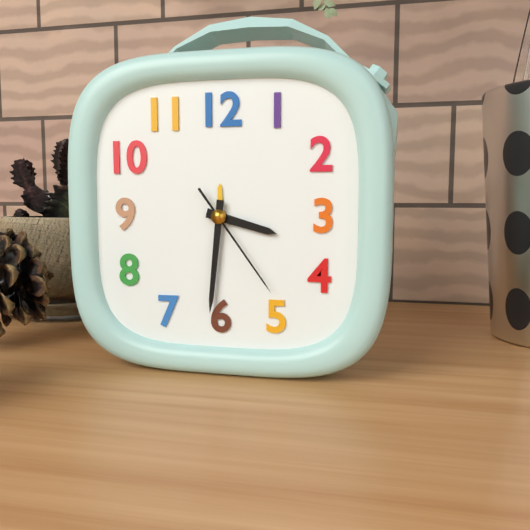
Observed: h=3 m=31 s=24
